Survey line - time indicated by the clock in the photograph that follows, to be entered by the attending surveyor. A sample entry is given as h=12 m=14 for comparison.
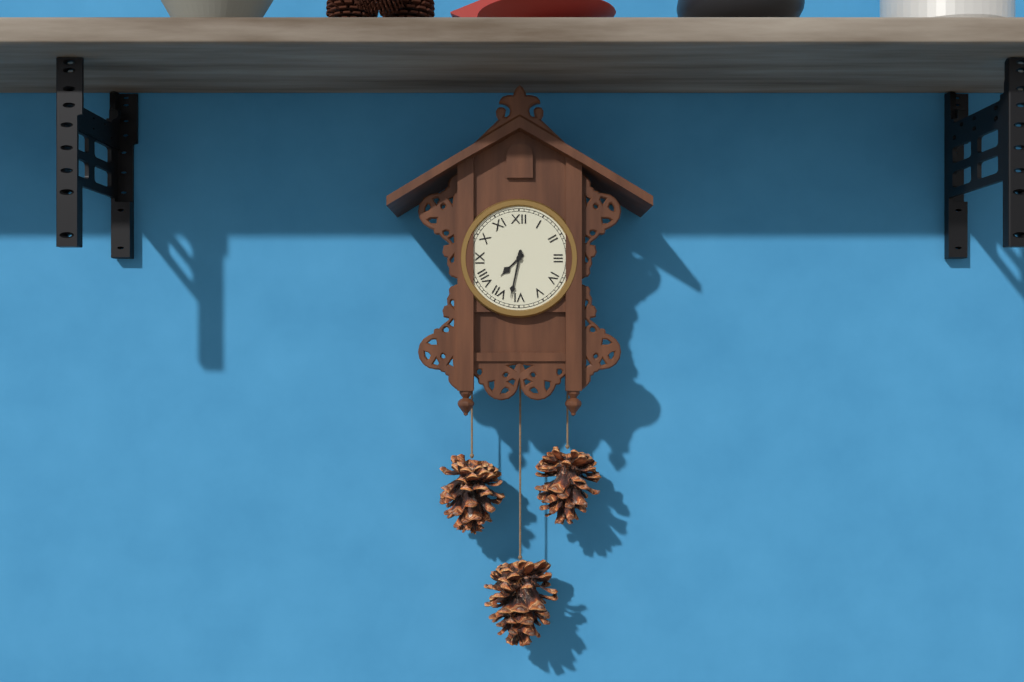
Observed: h=7 m=32
